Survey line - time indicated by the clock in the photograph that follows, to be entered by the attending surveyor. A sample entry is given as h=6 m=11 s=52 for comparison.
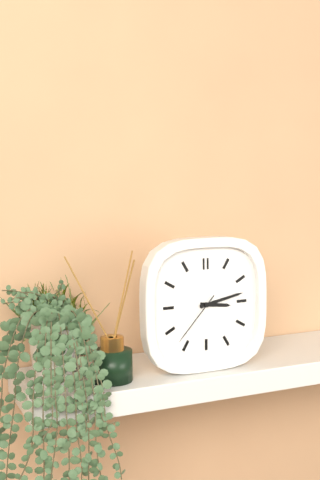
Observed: h=3 m=13 s=37
